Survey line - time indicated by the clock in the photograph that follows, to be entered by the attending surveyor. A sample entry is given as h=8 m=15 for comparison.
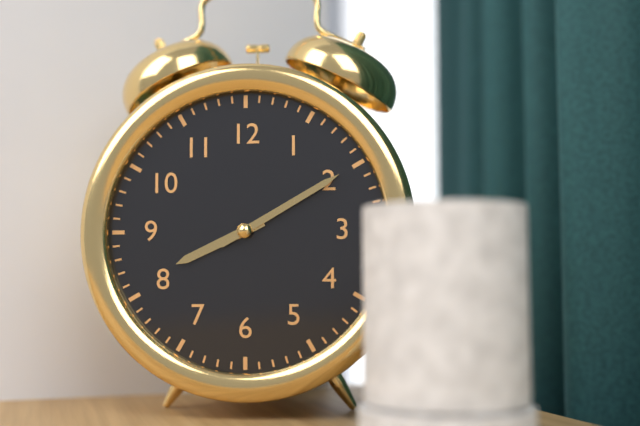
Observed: h=8 m=10
